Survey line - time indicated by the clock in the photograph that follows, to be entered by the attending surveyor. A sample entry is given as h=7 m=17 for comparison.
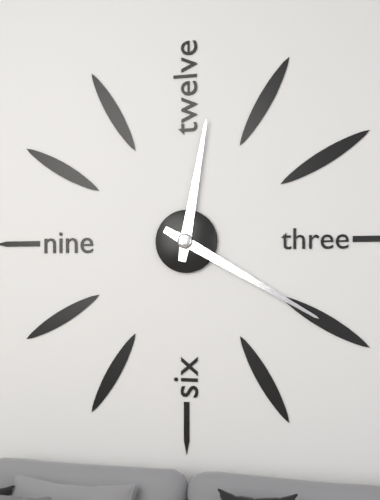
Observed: h=12 m=20
